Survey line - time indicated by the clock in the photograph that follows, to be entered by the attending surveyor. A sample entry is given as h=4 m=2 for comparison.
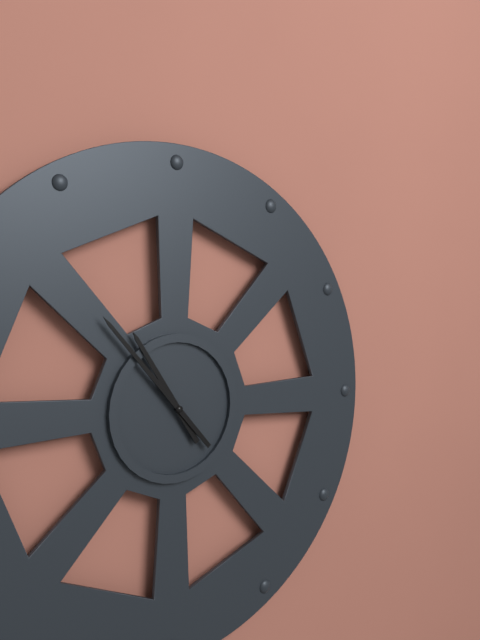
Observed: h=10 m=53
